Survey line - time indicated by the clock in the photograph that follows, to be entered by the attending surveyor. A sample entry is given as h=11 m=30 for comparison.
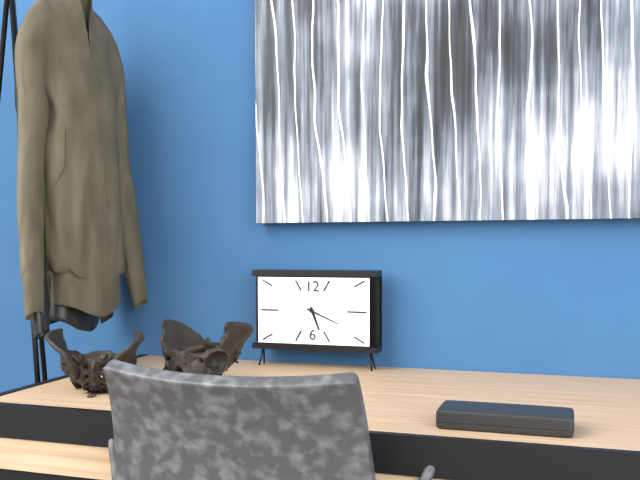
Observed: h=5 m=19
